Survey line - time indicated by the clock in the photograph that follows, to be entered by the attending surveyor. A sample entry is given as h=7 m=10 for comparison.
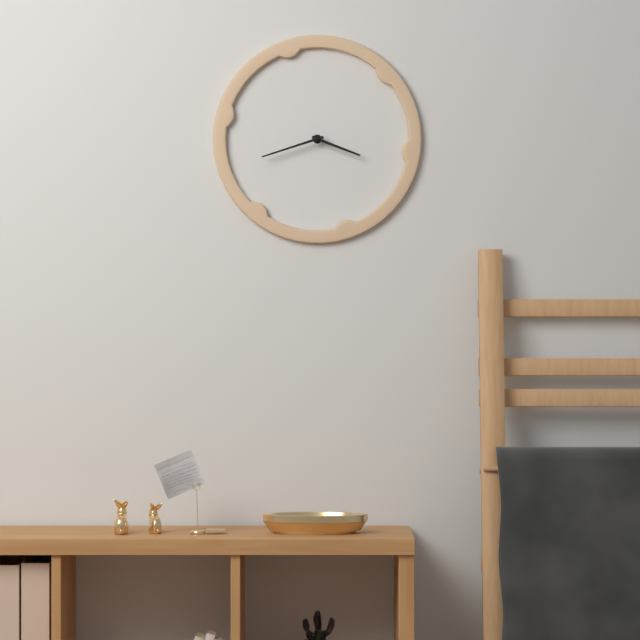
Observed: h=3 m=42
